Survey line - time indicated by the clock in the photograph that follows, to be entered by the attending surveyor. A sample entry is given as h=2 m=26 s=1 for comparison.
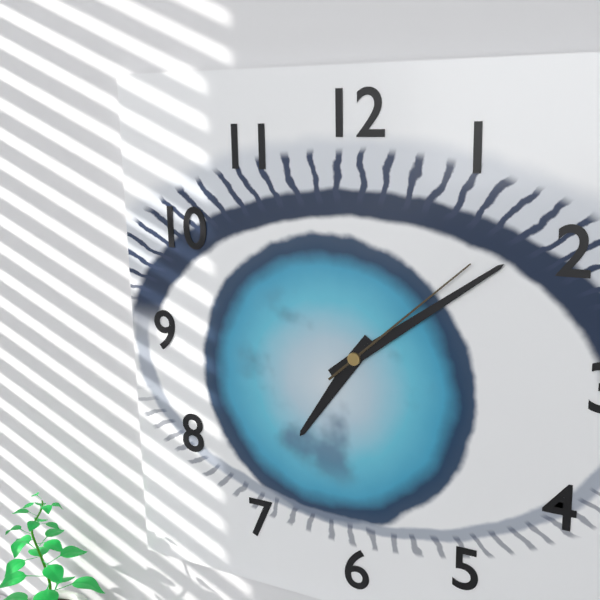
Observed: h=7 m=9 s=8
